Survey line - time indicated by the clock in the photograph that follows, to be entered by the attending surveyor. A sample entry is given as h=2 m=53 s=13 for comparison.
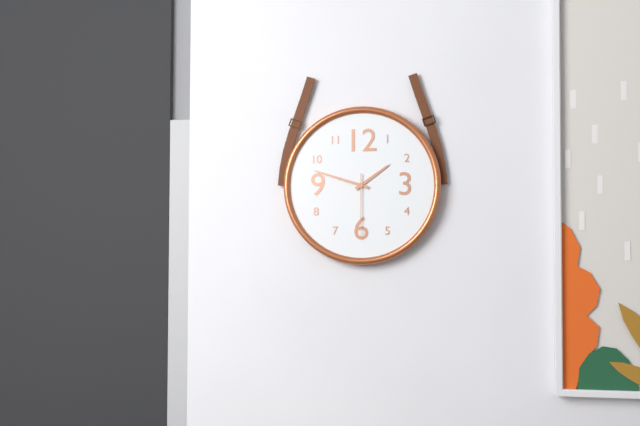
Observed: h=1 m=48 s=30
